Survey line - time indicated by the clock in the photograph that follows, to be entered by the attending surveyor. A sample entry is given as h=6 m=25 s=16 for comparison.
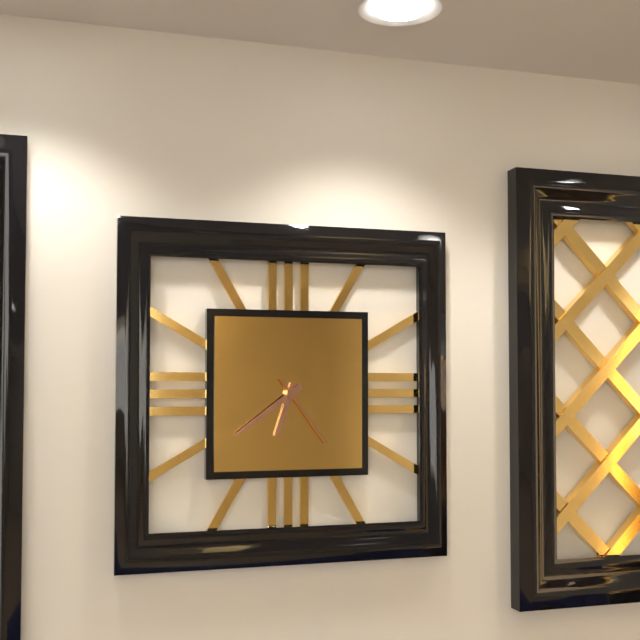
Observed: h=6 m=39 s=24
